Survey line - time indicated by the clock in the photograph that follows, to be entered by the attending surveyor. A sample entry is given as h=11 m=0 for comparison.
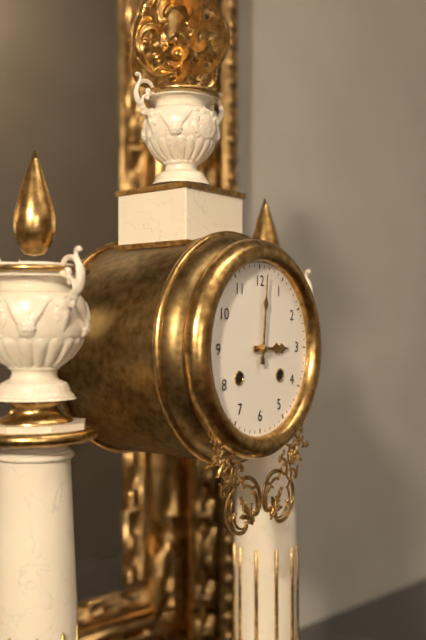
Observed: h=3 m=1
